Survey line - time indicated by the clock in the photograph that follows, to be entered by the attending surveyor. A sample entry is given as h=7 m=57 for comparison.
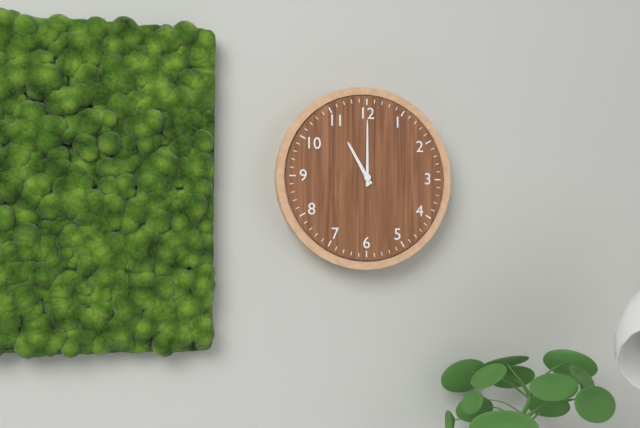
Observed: h=11 m=0
